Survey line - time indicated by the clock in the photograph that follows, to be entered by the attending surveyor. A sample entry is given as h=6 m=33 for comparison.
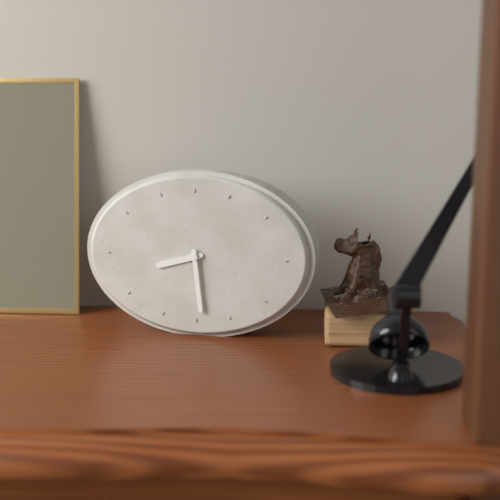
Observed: h=8 m=29
